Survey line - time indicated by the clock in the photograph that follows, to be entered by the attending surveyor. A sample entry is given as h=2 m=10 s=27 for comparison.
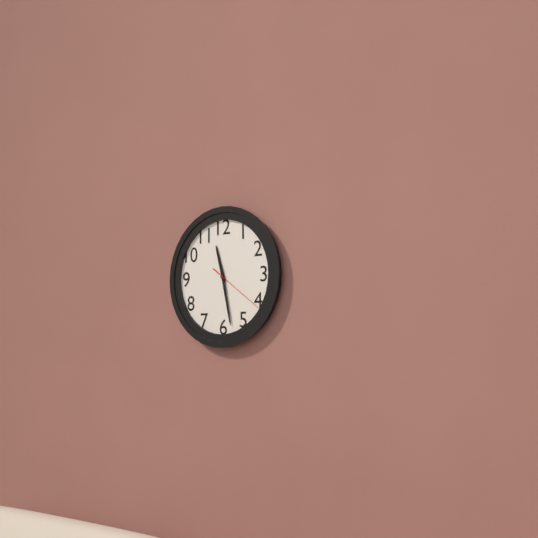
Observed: h=11 m=28 s=21
